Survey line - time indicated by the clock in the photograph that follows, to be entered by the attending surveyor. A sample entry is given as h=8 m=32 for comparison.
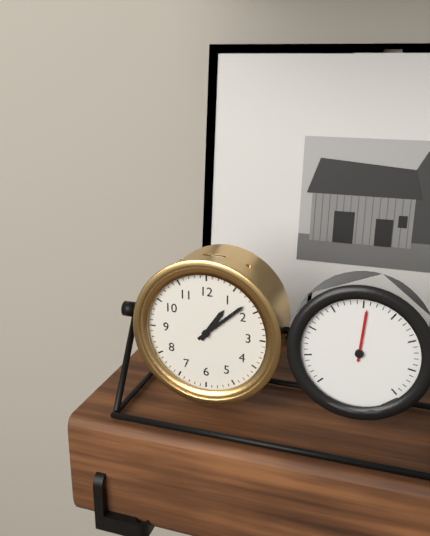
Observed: h=1 m=8
